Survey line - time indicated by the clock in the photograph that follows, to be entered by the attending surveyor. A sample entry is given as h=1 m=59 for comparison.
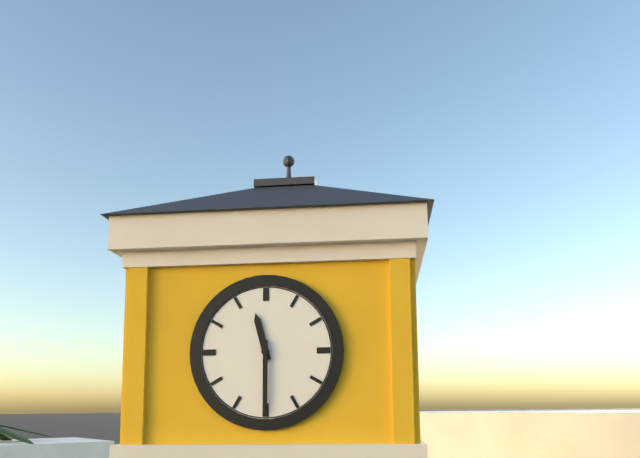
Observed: h=11 m=30
